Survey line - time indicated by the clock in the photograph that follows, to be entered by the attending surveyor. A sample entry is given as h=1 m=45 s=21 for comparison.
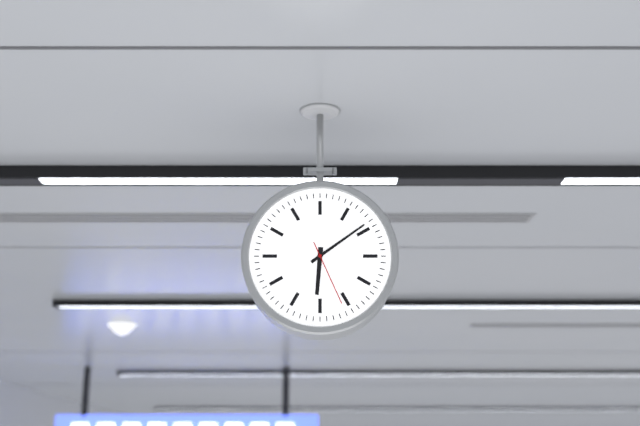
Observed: h=6 m=9 s=26
